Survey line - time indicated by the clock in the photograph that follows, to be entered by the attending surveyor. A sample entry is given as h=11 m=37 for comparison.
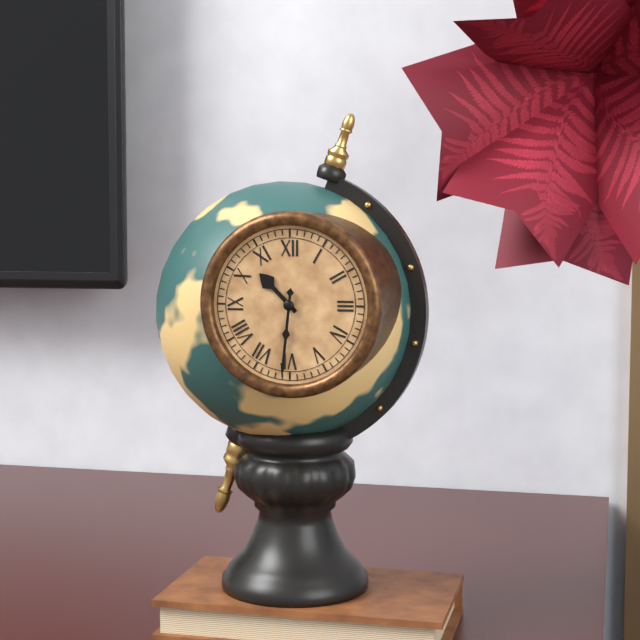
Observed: h=10 m=31
